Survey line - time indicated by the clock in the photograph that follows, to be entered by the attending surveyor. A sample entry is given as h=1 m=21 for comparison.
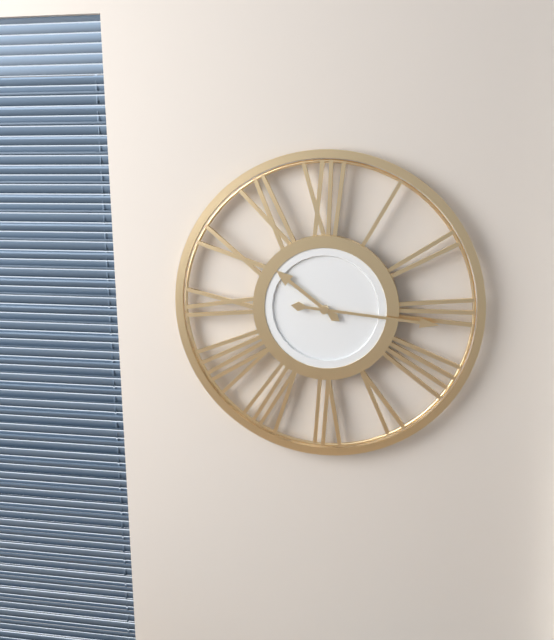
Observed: h=10 m=16
